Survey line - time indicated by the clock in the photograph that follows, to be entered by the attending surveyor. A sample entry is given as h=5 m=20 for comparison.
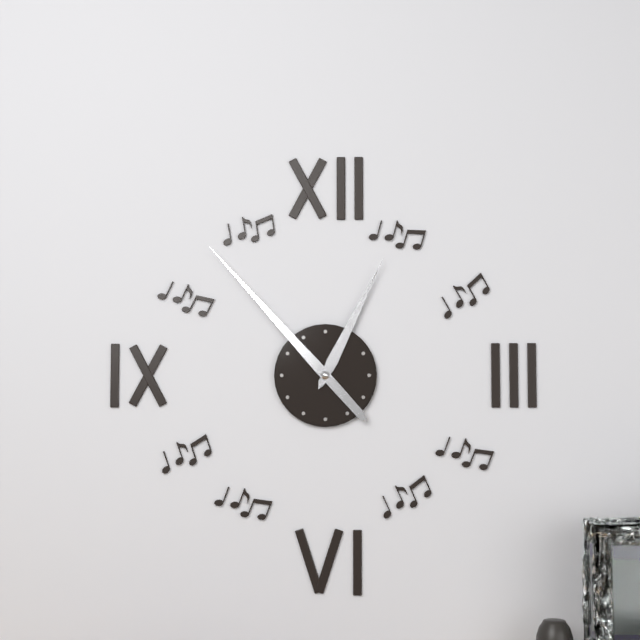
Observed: h=12 m=53
